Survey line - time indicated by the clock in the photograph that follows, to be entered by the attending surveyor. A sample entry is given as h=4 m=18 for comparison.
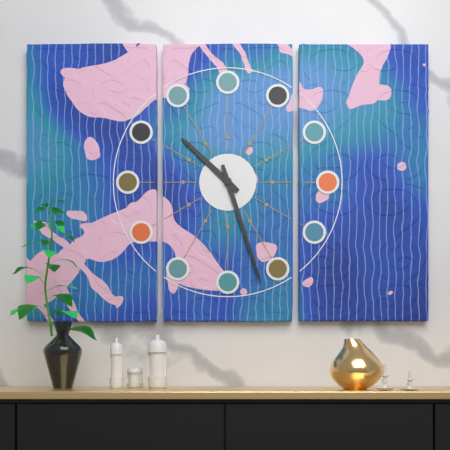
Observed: h=10 m=27
